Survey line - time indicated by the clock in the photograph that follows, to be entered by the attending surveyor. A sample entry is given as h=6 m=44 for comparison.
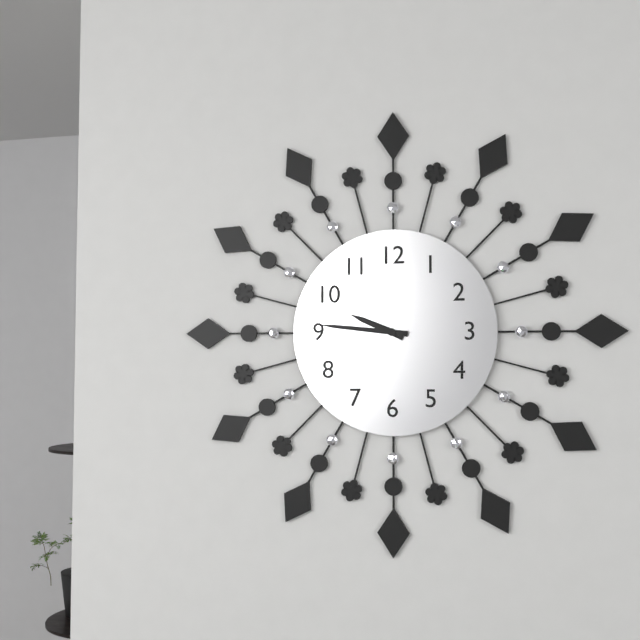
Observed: h=9 m=46
